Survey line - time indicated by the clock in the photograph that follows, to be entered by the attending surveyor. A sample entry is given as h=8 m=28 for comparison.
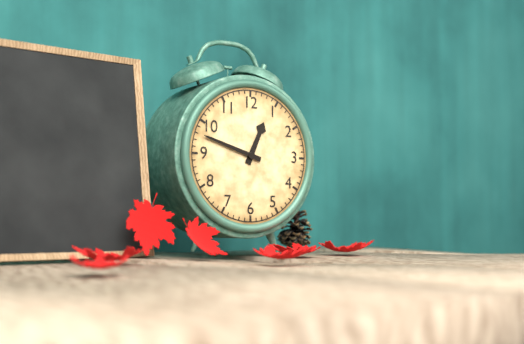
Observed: h=12 m=48
